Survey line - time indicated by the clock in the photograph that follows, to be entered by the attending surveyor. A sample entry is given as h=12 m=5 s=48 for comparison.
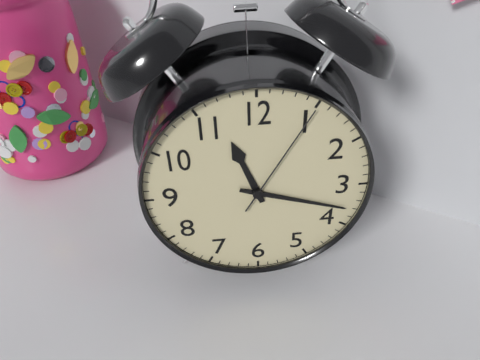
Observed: h=11 m=18 s=5
